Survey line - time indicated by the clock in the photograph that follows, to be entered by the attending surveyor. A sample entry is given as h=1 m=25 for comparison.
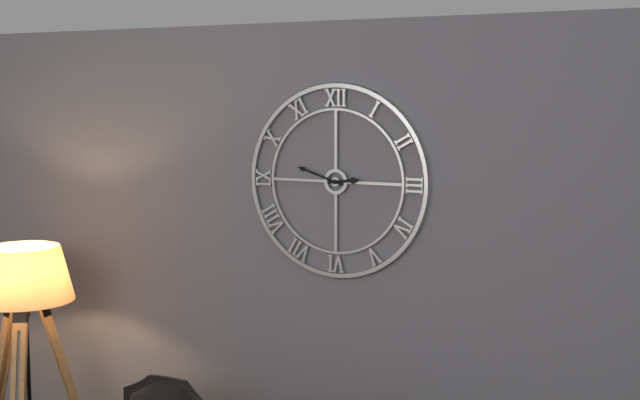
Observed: h=2 m=48
